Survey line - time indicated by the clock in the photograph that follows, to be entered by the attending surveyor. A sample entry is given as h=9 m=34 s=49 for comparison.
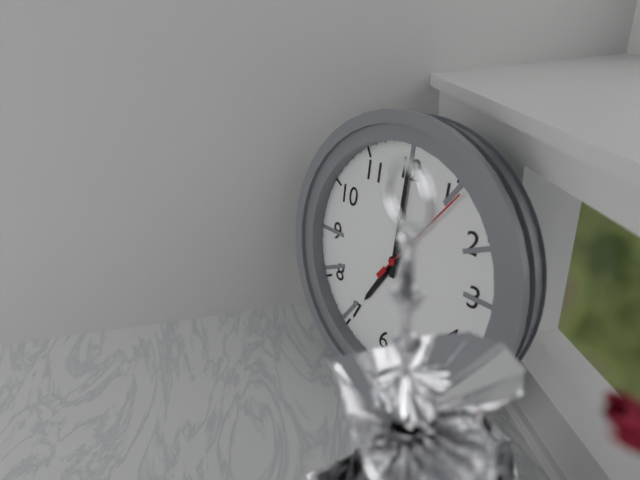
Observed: h=7 m=0 s=6
